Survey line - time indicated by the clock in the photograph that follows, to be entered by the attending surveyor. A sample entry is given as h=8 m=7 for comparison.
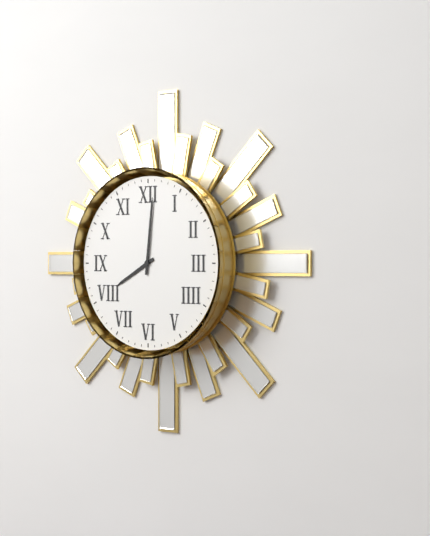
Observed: h=8 m=1
